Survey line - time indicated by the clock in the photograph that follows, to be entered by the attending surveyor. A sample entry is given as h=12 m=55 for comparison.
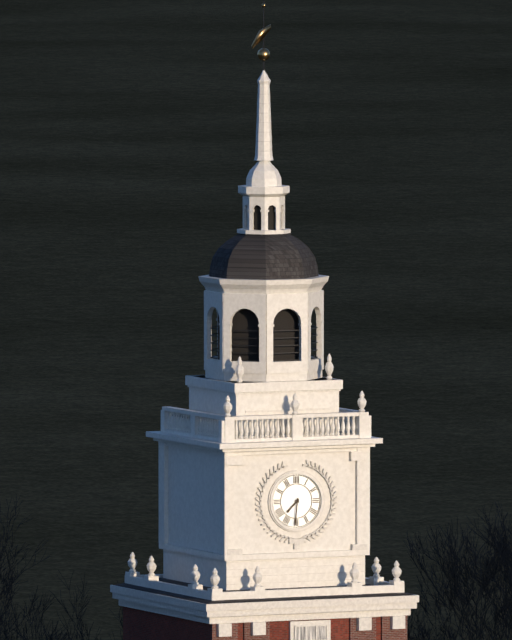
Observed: h=7 m=31
